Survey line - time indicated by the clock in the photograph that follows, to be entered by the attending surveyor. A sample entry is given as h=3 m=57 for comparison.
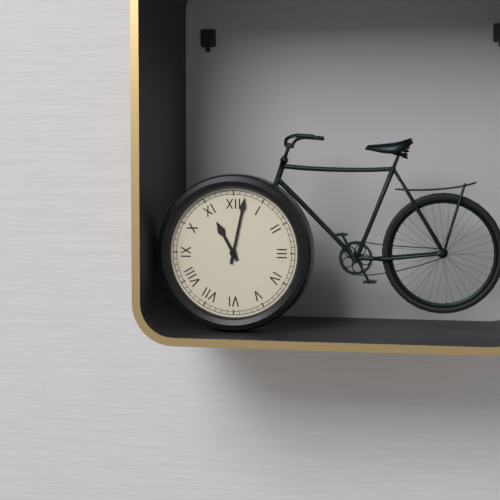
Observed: h=11 m=2
